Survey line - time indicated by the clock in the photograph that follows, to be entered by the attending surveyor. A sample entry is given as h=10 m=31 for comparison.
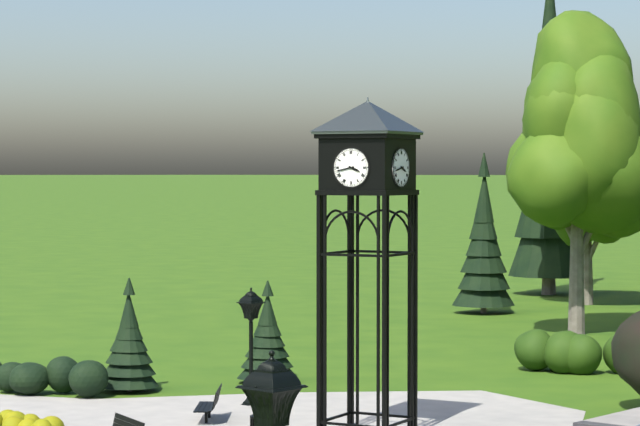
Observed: h=3 m=43
